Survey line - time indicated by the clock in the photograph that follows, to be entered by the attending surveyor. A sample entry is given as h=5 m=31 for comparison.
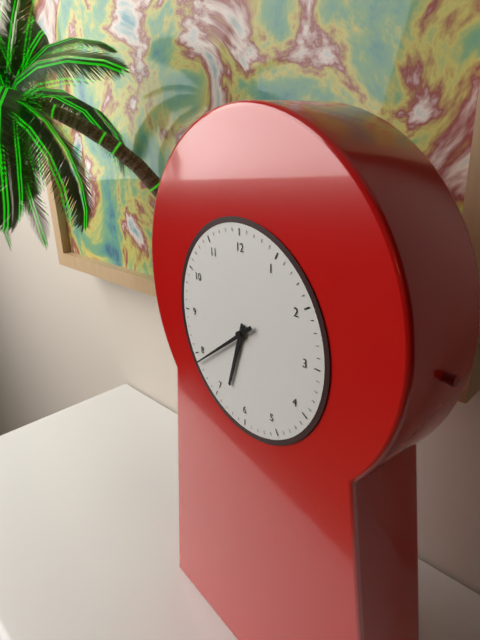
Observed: h=6 m=39
